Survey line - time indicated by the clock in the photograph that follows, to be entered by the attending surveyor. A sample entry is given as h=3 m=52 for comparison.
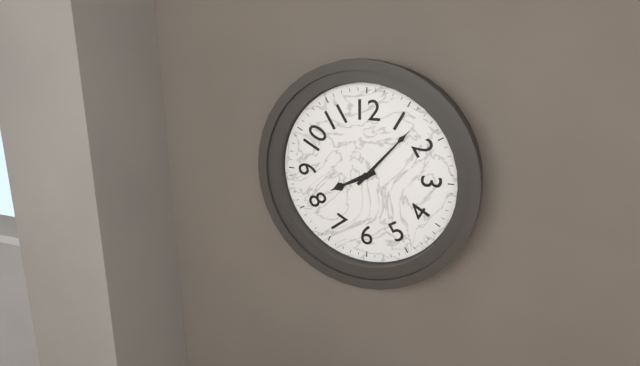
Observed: h=8 m=7
